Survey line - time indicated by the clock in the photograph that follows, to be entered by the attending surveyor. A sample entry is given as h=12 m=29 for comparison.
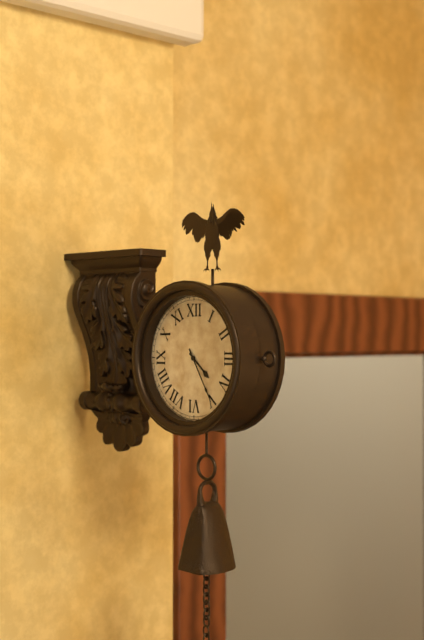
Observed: h=4 m=25
